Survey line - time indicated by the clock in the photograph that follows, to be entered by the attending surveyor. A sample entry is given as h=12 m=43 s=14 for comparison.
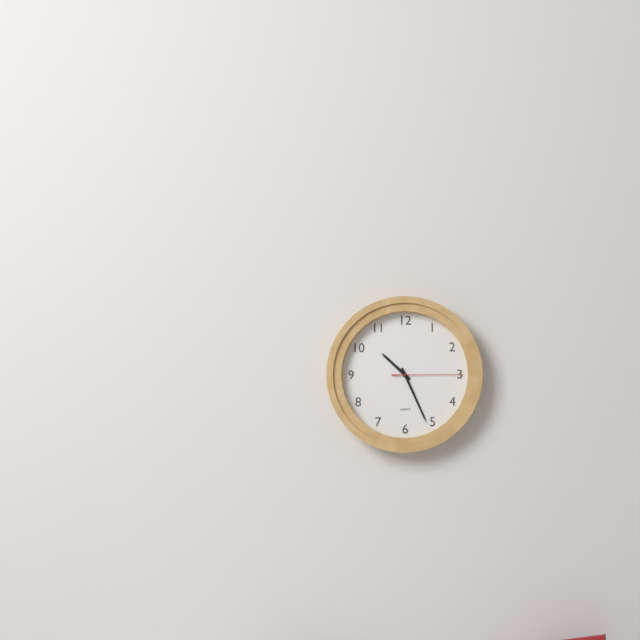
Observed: h=10 m=26 s=15
